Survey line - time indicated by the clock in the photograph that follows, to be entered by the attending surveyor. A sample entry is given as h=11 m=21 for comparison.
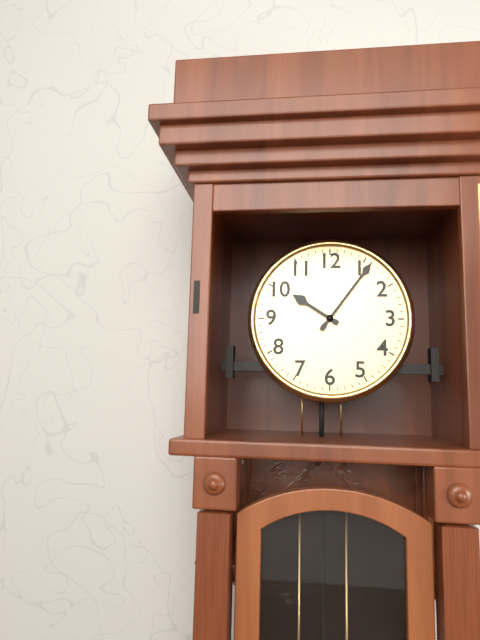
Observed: h=10 m=6
